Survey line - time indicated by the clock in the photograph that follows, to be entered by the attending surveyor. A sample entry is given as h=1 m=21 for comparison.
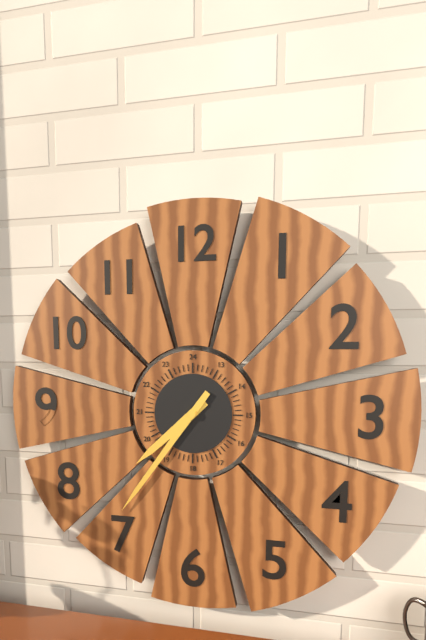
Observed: h=7 m=36
